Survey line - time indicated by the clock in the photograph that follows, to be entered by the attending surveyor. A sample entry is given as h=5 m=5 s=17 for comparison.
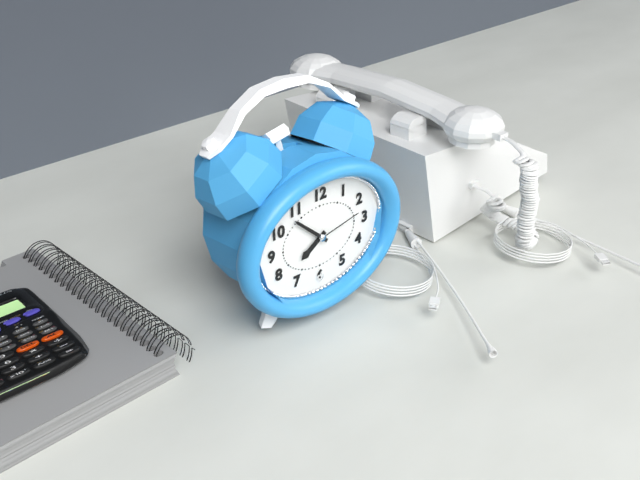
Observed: h=7 m=52 s=13
